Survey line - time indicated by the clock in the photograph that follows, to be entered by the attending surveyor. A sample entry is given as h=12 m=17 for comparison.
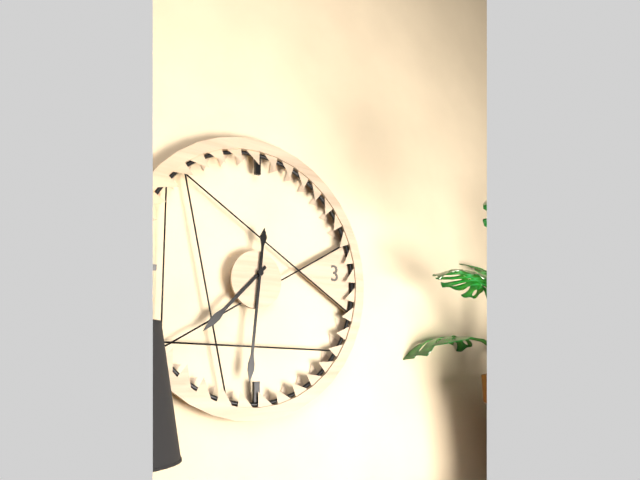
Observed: h=7 m=31
